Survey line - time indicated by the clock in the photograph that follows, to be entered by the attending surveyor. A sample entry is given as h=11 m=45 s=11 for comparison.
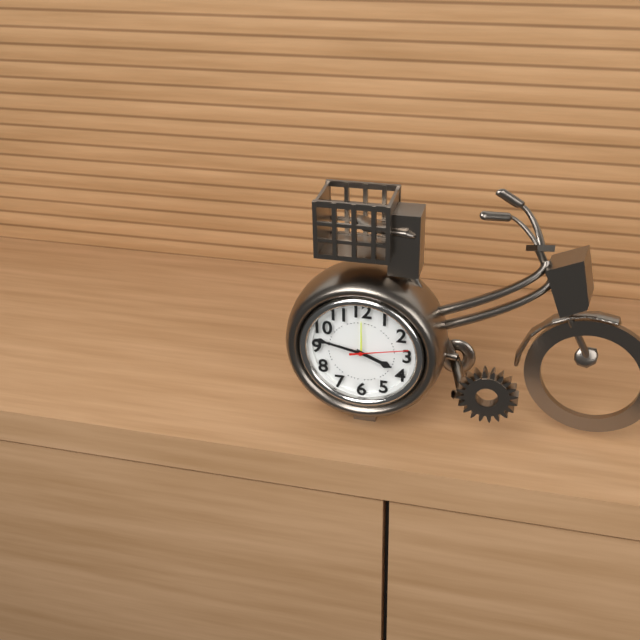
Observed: h=3 m=47 s=13
